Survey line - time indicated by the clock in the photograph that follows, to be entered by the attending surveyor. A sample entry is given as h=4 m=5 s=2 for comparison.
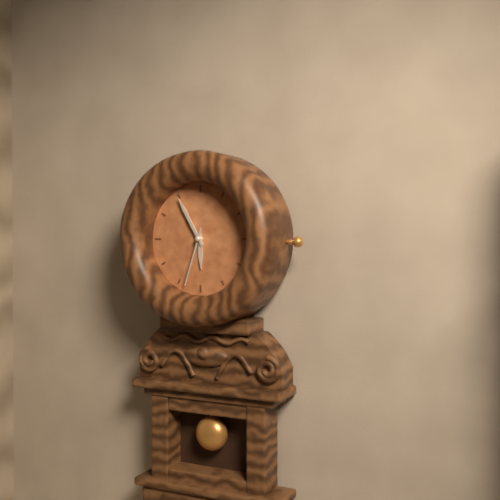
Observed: h=5 m=55 s=33
